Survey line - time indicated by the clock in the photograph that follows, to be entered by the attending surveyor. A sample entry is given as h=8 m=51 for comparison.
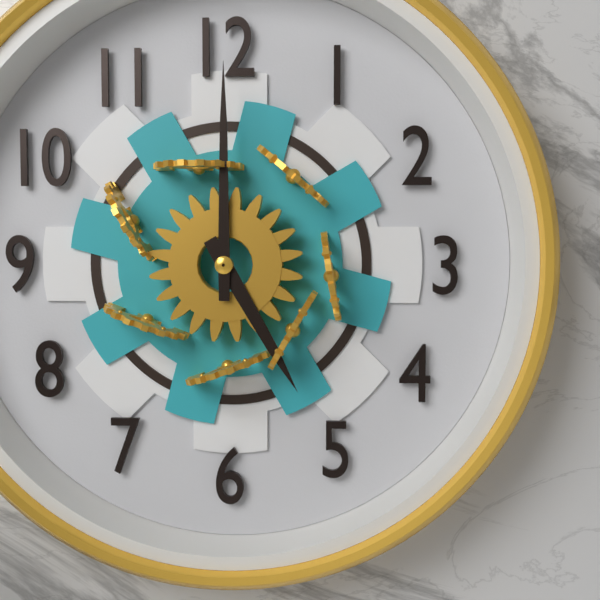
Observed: h=5 m=0
